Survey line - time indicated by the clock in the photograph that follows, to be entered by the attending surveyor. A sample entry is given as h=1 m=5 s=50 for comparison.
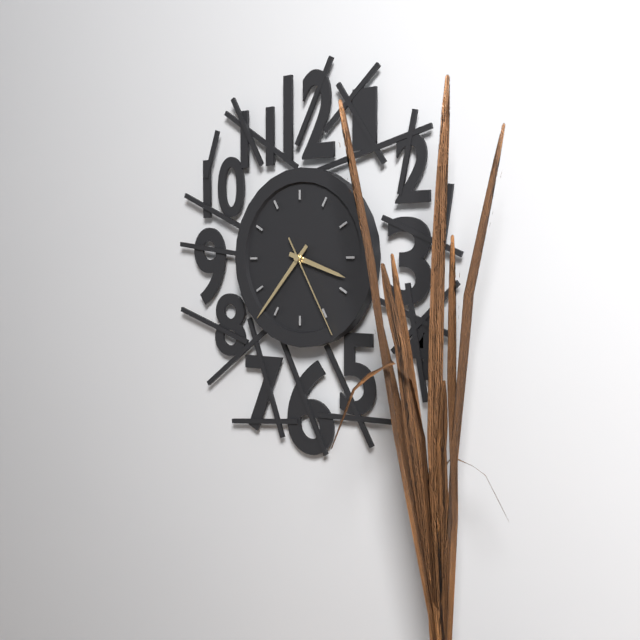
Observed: h=3 m=37 s=25
